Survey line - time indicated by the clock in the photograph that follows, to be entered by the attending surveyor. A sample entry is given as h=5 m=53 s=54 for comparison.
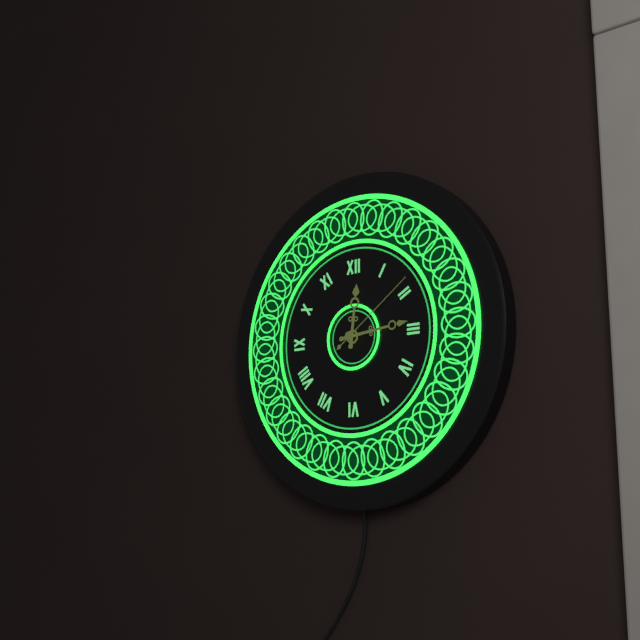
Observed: h=12 m=14 s=9
